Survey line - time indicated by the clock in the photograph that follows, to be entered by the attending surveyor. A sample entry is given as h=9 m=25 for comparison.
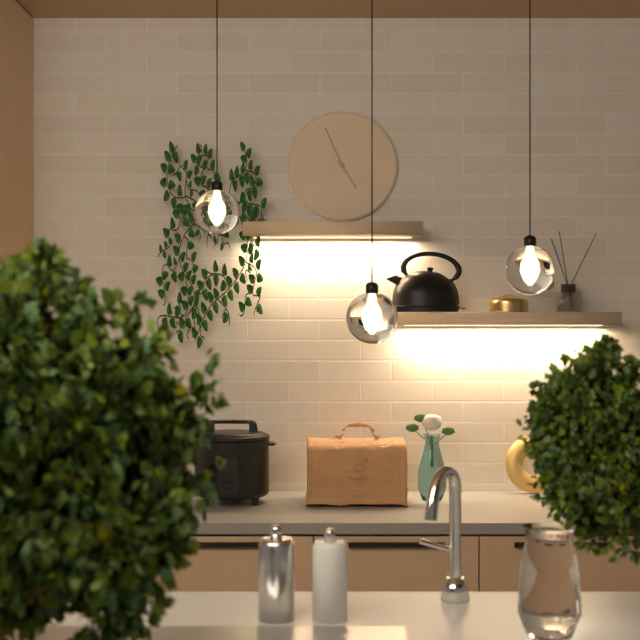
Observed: h=4 m=56
